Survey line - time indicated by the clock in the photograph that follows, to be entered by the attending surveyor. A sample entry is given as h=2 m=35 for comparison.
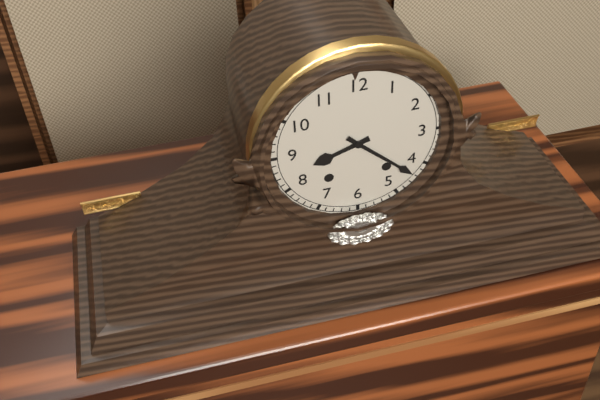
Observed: h=8 m=22
